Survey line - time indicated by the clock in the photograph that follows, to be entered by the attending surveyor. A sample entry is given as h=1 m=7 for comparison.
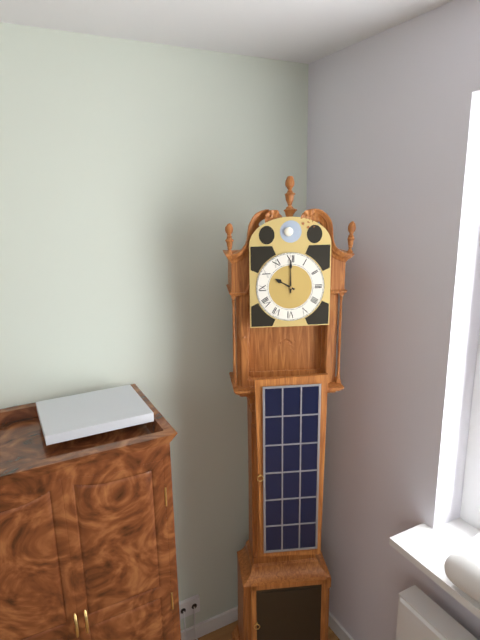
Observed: h=10 m=0
